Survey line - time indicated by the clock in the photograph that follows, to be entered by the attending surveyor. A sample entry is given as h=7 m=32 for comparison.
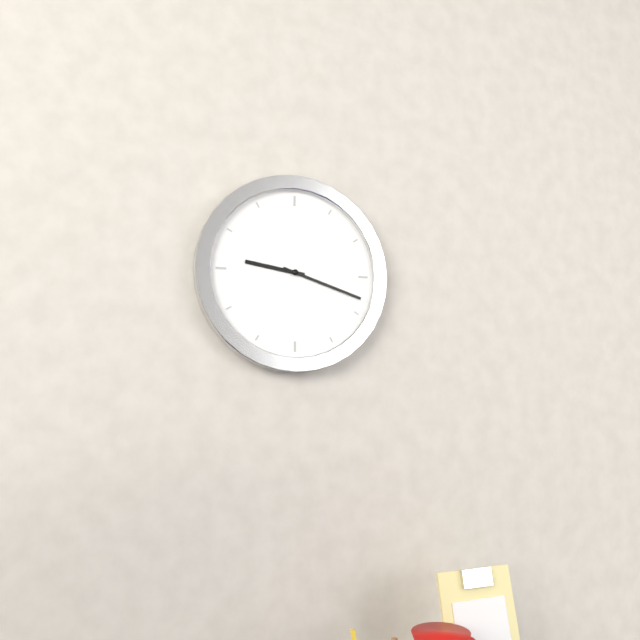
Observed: h=9 m=18
